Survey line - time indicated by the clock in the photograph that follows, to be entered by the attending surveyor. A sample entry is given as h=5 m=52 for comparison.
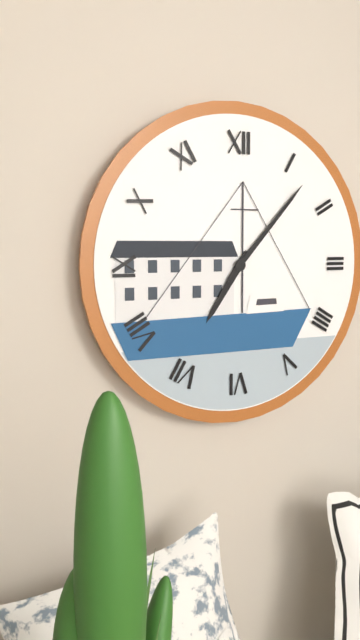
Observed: h=7 m=7
